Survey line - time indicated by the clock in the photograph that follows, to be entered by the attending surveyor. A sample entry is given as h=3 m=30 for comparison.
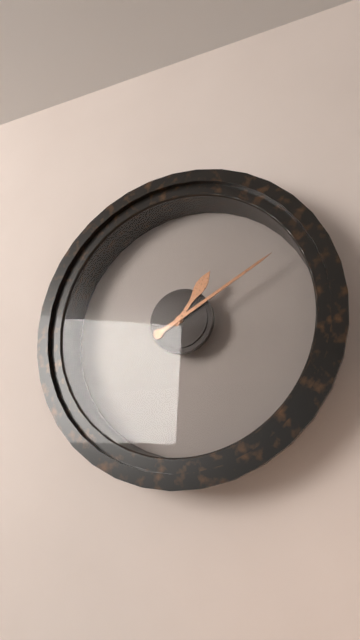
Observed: h=1 m=10
